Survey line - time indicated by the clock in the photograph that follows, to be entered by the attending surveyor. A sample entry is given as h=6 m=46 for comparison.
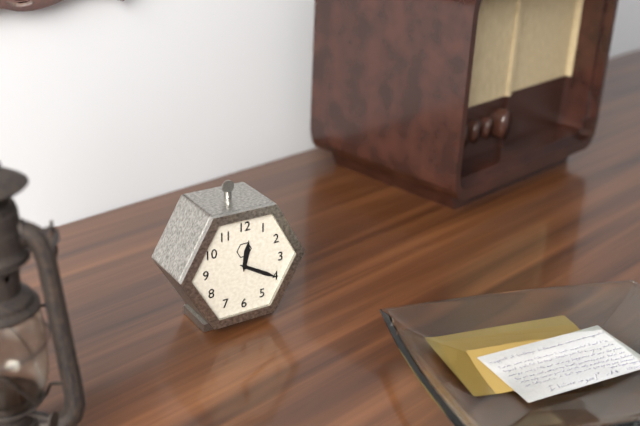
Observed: h=12 m=20
